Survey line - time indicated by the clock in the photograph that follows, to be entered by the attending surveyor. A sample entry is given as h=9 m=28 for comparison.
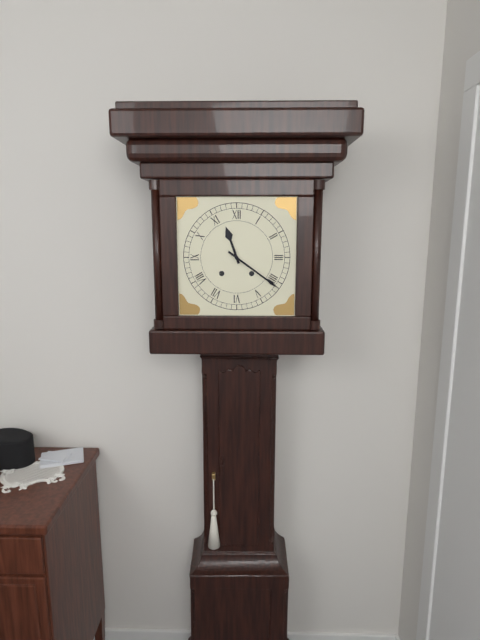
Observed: h=11 m=21
